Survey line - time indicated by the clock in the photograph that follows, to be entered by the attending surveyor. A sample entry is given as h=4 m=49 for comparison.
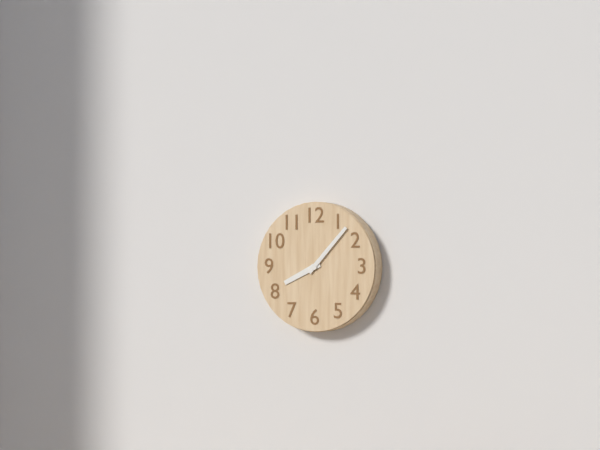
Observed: h=8 m=7
